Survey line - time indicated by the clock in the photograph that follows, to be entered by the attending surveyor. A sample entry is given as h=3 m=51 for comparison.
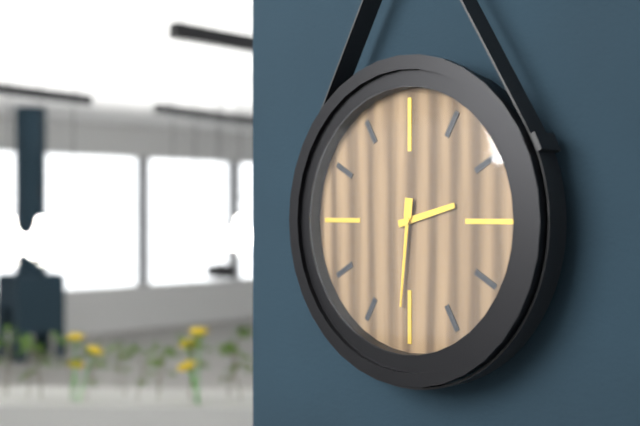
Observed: h=2 m=31
